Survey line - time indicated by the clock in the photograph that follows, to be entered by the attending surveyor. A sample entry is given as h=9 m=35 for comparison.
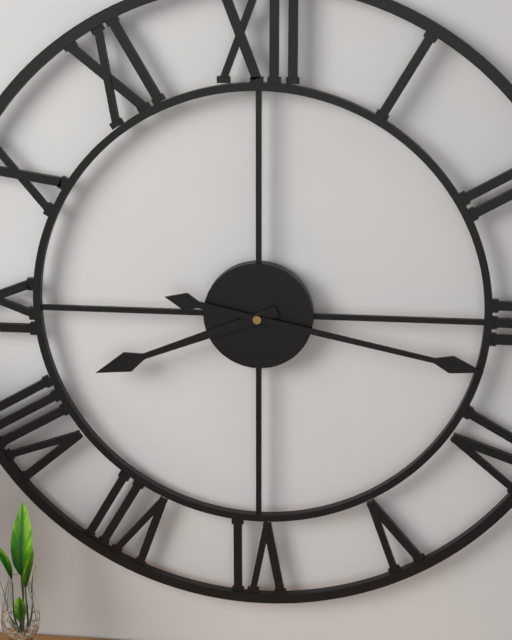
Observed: h=8 m=17
